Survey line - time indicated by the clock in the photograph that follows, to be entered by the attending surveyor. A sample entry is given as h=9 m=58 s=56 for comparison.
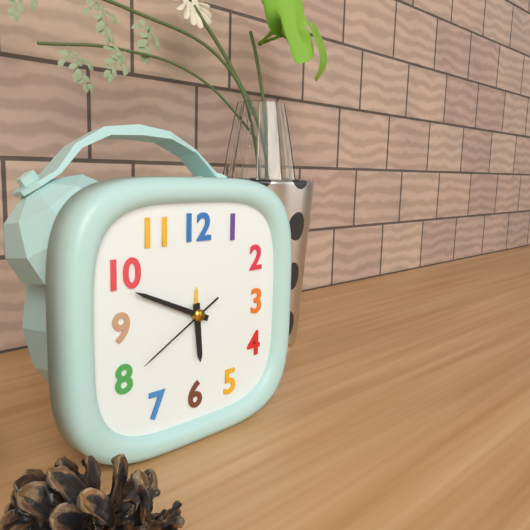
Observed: h=5 m=49 s=40
